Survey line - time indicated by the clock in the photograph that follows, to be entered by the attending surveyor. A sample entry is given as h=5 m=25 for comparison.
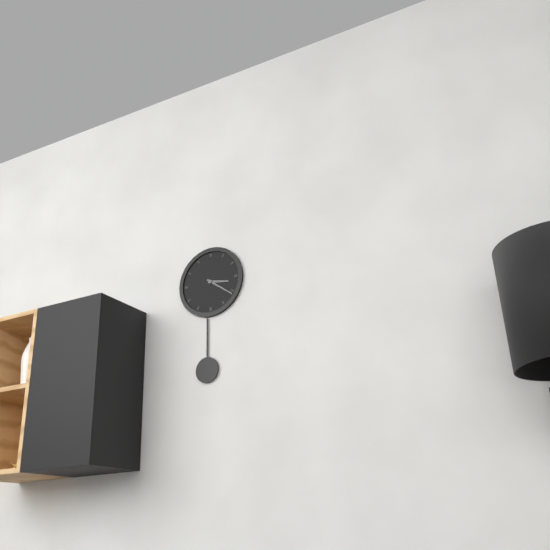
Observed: h=3 m=21
